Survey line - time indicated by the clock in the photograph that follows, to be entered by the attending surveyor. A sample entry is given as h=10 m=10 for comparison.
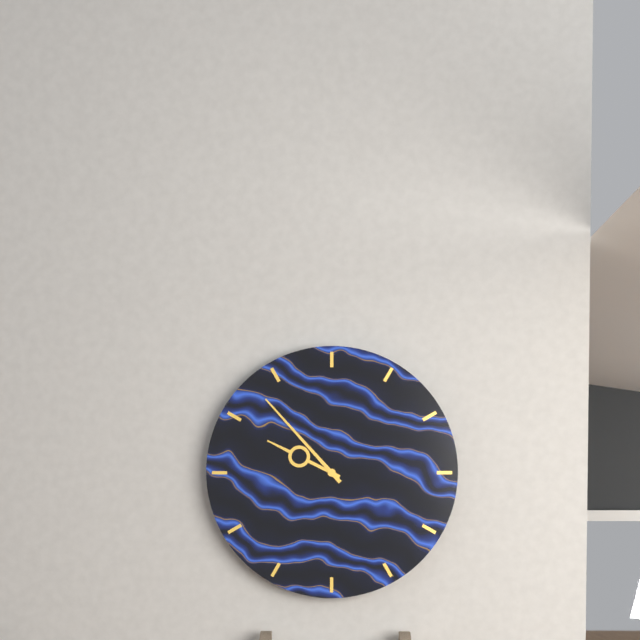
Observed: h=9 m=53
